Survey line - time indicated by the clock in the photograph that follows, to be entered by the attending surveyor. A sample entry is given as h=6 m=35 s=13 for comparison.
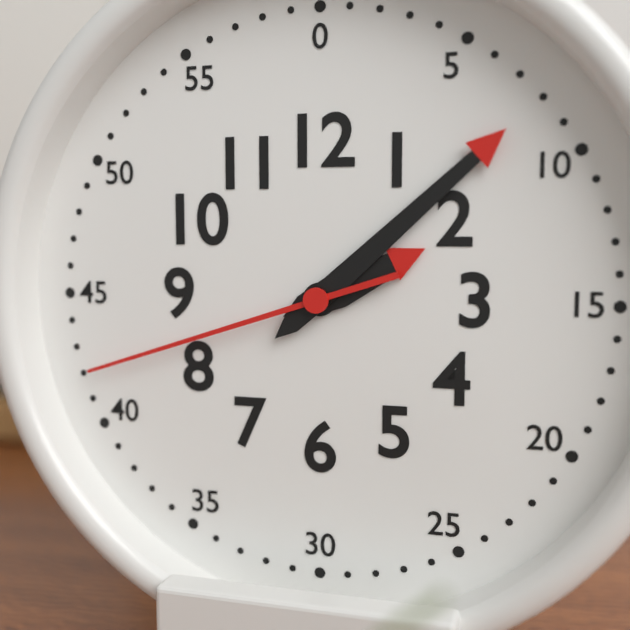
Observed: h=2 m=8 s=42
